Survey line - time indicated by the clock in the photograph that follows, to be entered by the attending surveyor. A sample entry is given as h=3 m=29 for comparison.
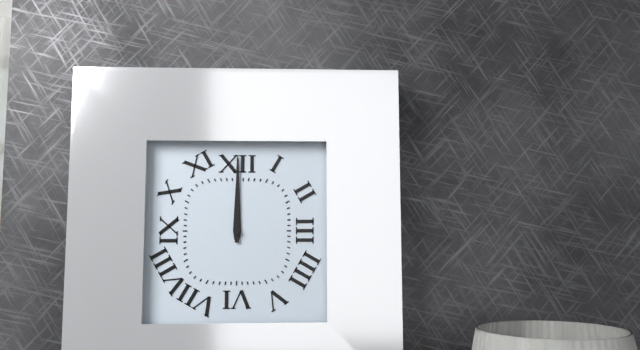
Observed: h=12 m=0
